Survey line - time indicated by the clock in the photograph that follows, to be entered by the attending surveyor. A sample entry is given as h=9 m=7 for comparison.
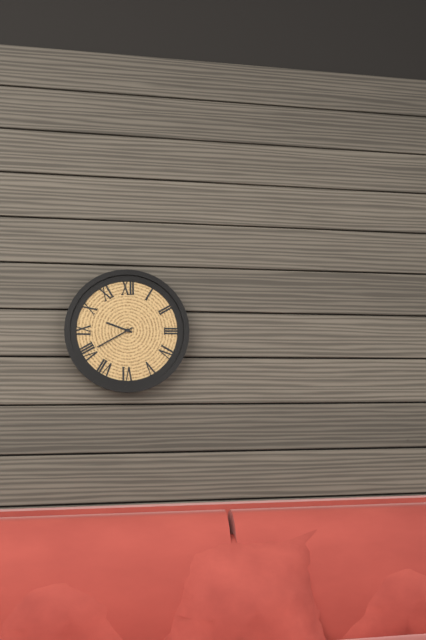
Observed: h=9 m=40
